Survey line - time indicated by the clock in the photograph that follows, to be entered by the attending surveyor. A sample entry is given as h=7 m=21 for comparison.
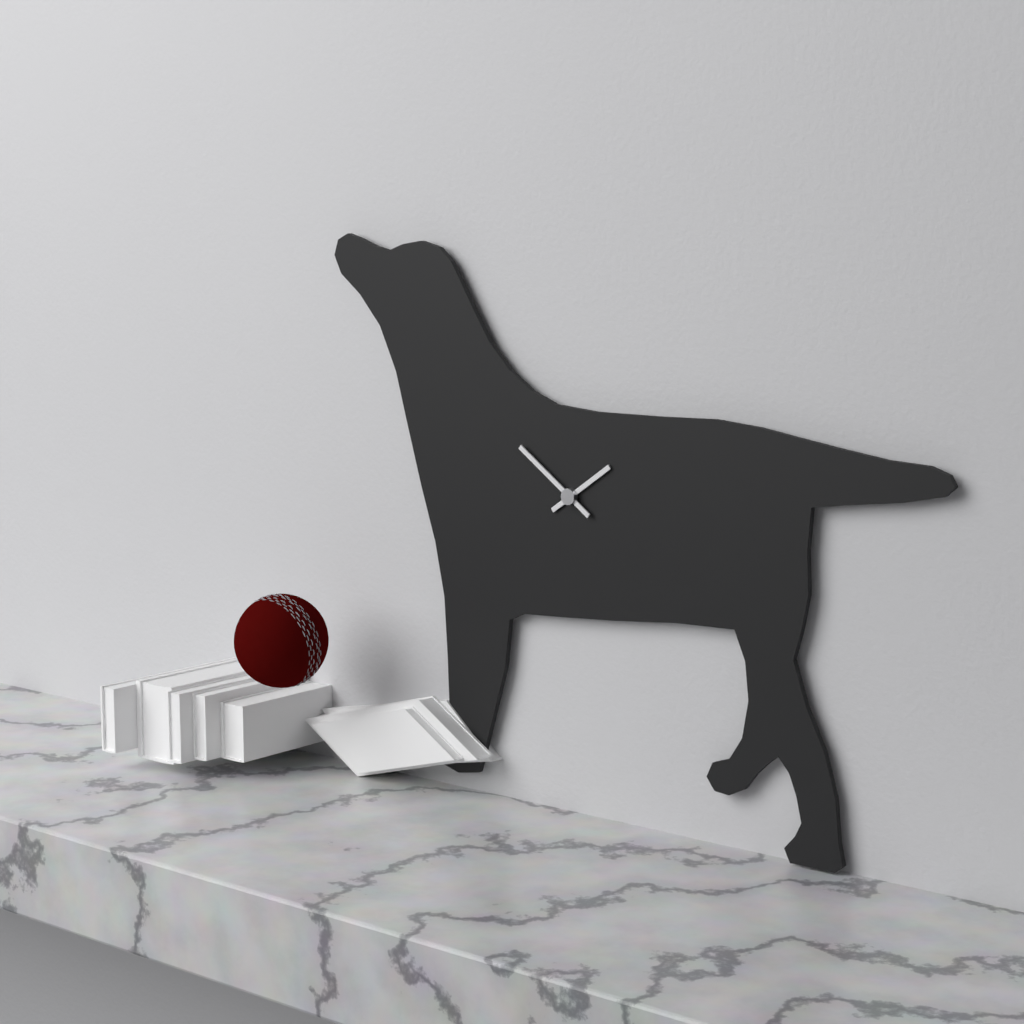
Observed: h=1 m=51
